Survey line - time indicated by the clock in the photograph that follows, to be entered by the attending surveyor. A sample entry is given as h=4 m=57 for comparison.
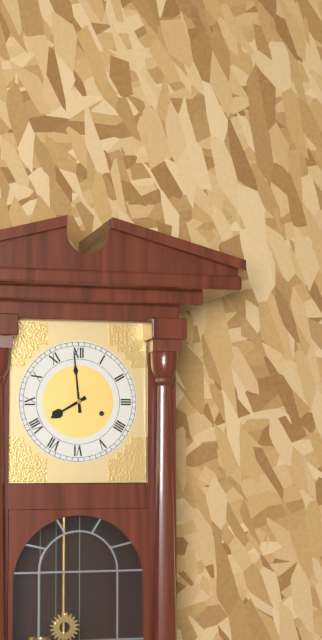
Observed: h=7 m=59
